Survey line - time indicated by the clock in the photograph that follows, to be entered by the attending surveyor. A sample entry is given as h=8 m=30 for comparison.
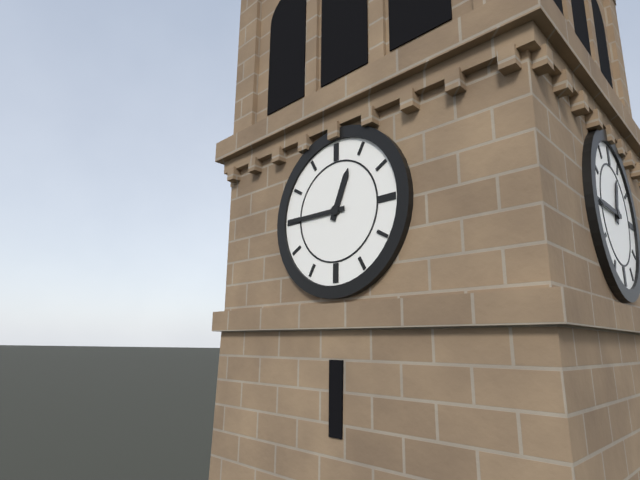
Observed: h=12 m=45
